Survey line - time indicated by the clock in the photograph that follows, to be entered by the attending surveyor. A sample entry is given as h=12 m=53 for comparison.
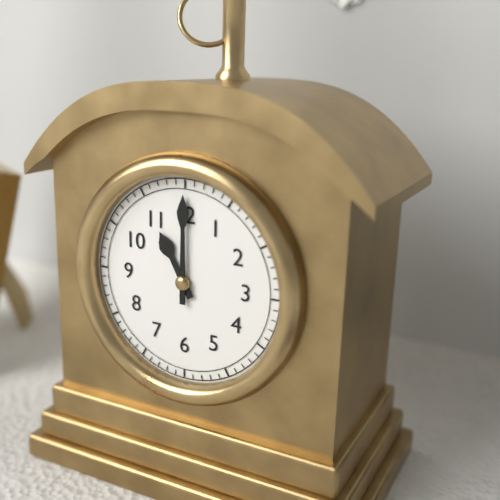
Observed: h=11 m=0
